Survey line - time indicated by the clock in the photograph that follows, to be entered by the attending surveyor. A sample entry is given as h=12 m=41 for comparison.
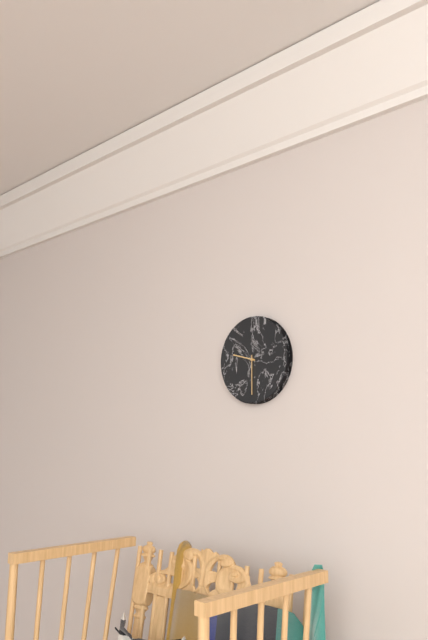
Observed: h=9 m=30
